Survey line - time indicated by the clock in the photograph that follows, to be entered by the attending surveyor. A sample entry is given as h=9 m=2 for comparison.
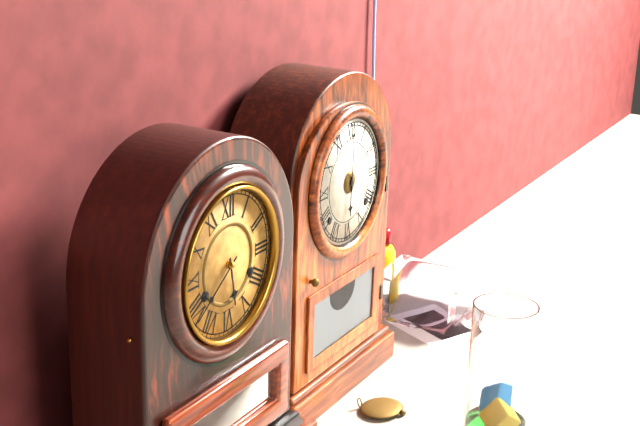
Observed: h=5 m=39
